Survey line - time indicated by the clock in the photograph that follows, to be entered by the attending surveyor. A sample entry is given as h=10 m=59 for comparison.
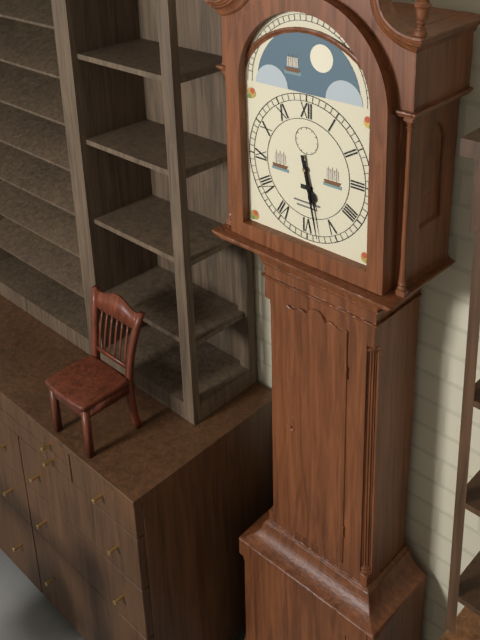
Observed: h=5 m=28
